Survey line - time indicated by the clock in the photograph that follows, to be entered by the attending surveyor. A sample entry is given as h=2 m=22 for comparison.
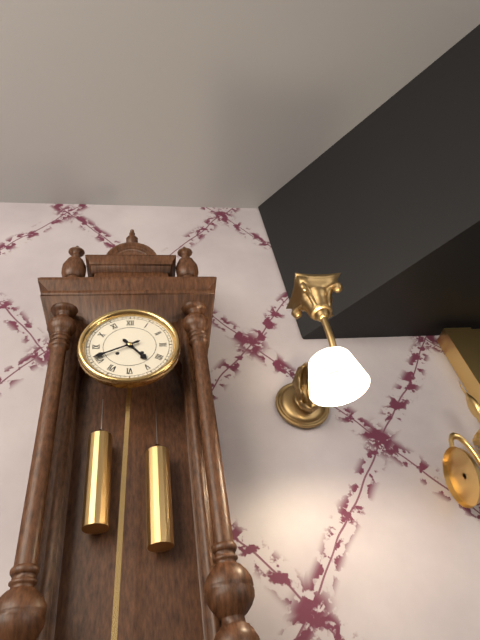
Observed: h=4 m=41
